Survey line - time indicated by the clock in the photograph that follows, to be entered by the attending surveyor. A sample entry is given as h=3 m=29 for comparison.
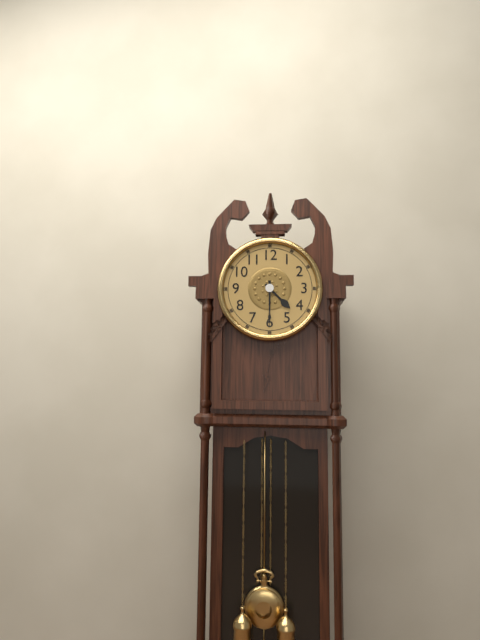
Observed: h=4 m=30
